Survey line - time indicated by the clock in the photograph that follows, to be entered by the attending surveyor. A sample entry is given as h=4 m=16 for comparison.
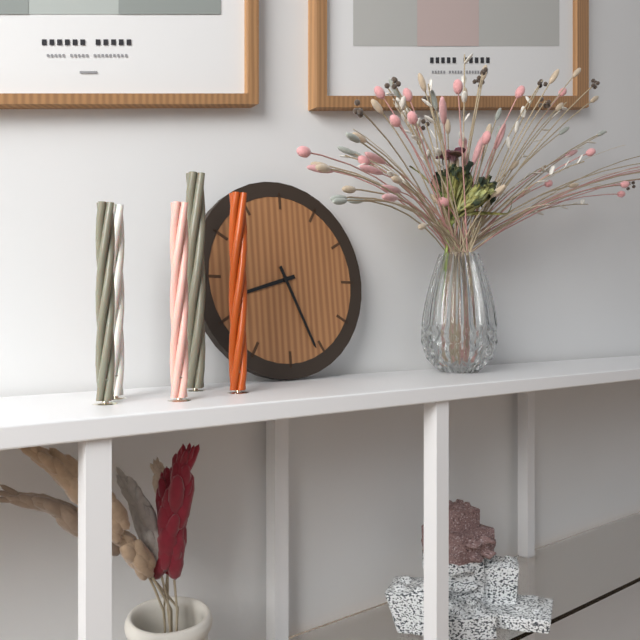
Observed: h=8 m=26
